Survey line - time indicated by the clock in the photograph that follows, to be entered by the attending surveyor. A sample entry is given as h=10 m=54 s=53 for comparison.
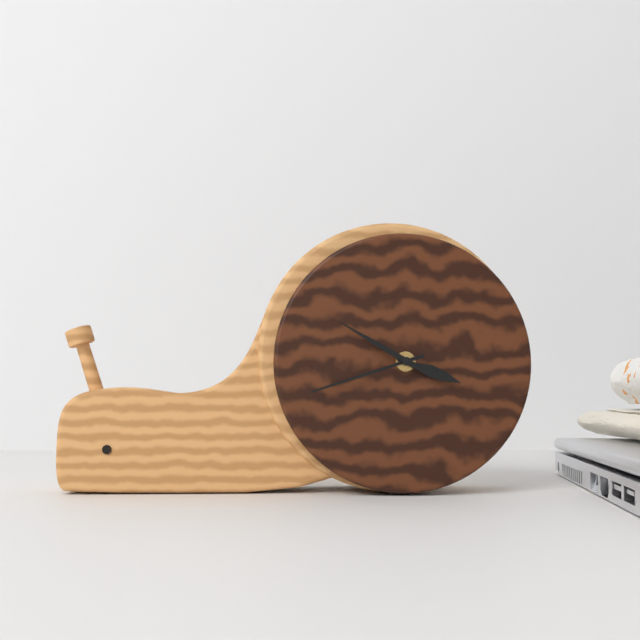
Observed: h=3 m=42 s=50
